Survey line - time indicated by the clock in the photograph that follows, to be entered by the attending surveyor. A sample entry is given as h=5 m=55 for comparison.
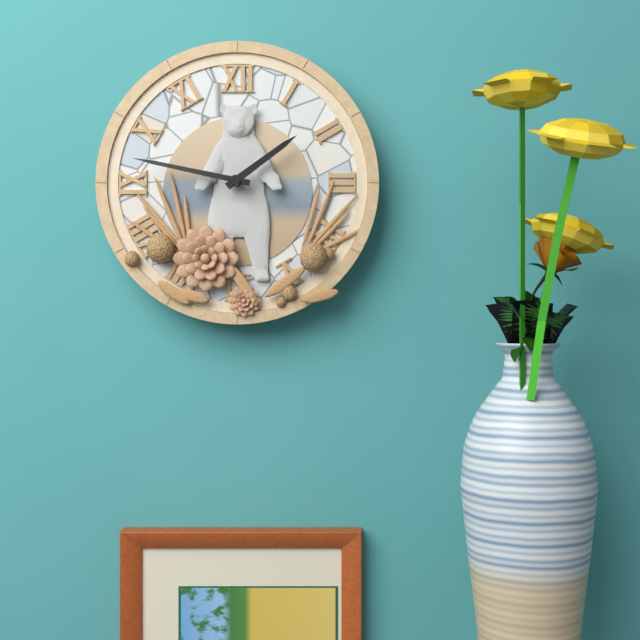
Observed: h=1 m=47
